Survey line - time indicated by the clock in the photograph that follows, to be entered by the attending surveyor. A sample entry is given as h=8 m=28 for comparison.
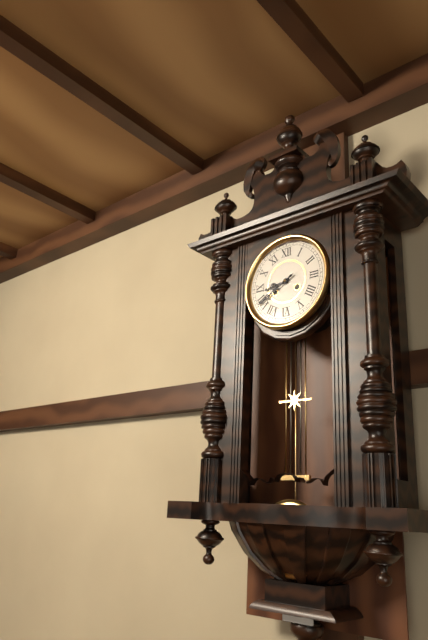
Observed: h=8 m=40
